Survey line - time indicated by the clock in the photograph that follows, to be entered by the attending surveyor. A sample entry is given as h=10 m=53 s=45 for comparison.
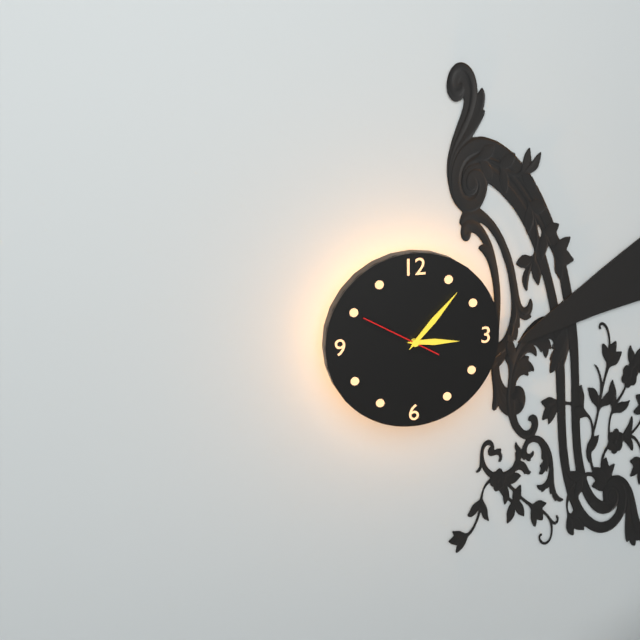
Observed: h=3 m=7 s=50
